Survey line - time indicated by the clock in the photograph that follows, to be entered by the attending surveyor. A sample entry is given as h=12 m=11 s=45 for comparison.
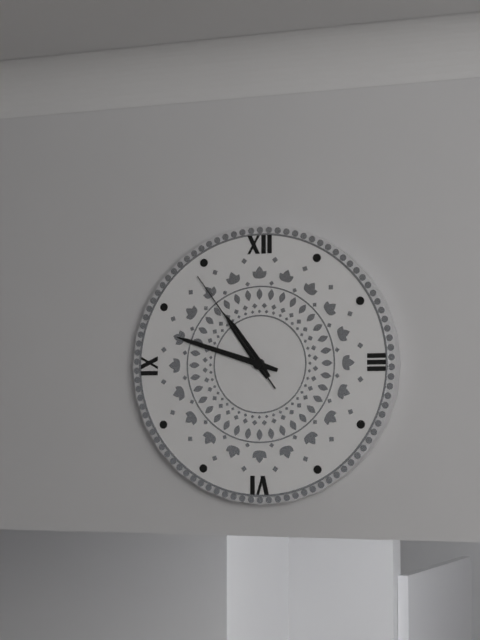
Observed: h=10 m=48 s=54
